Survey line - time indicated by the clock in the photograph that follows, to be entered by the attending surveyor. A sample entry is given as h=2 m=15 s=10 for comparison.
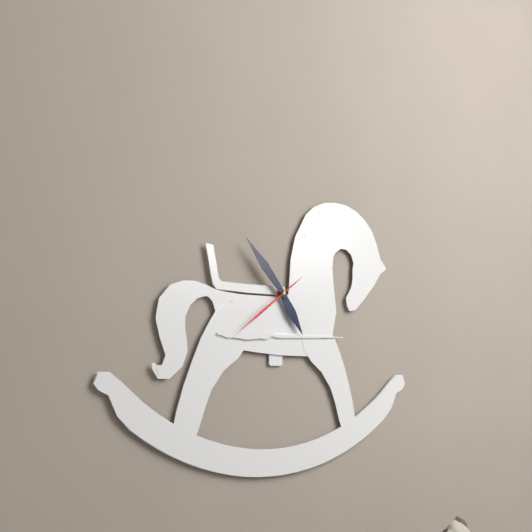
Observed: h=4 m=53 s=39
